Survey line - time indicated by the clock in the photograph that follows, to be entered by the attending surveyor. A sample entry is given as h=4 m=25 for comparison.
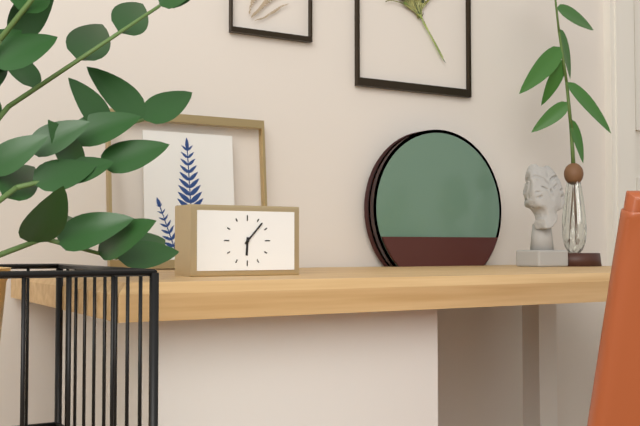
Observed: h=6 m=7
